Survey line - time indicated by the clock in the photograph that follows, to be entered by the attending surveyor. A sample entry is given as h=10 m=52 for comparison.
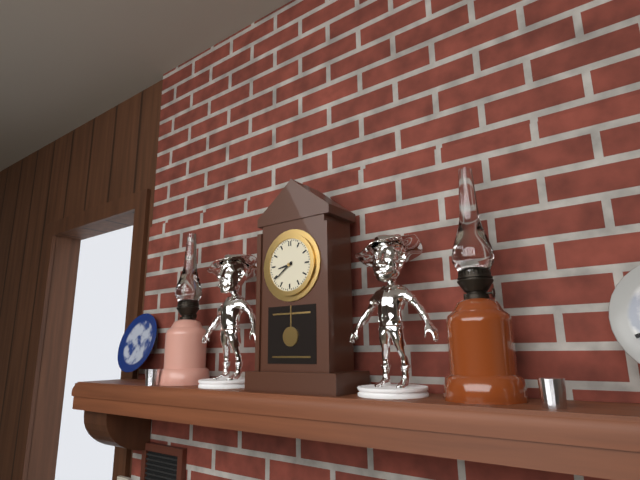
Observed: h=8 m=39
